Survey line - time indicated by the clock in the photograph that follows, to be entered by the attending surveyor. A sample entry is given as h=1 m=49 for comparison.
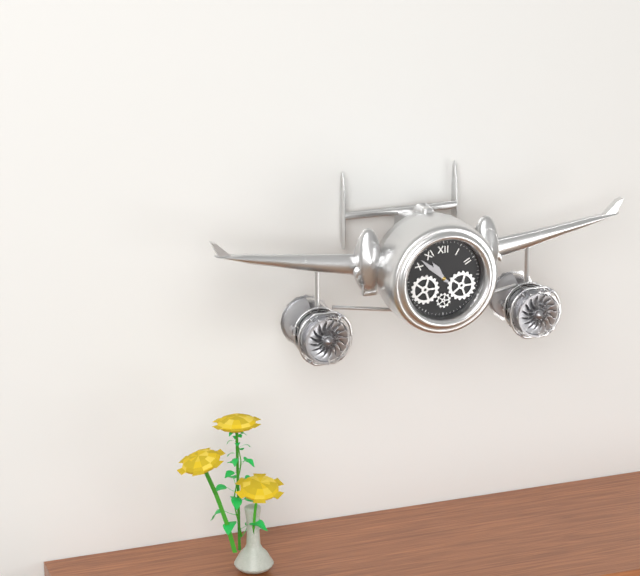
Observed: h=10 m=52
